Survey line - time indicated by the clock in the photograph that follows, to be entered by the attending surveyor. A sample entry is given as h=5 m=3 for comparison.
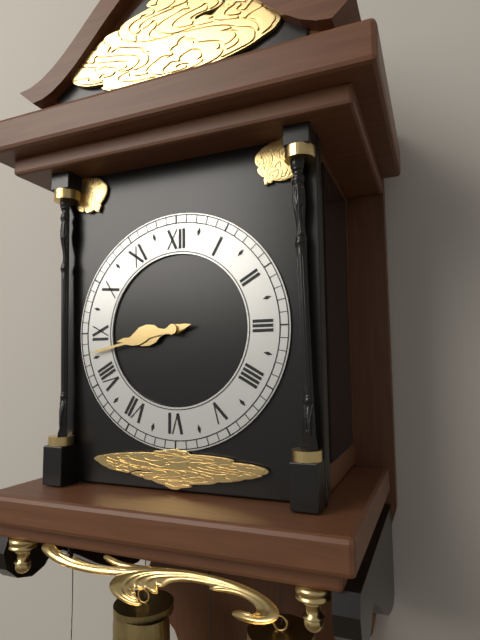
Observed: h=8 m=43
